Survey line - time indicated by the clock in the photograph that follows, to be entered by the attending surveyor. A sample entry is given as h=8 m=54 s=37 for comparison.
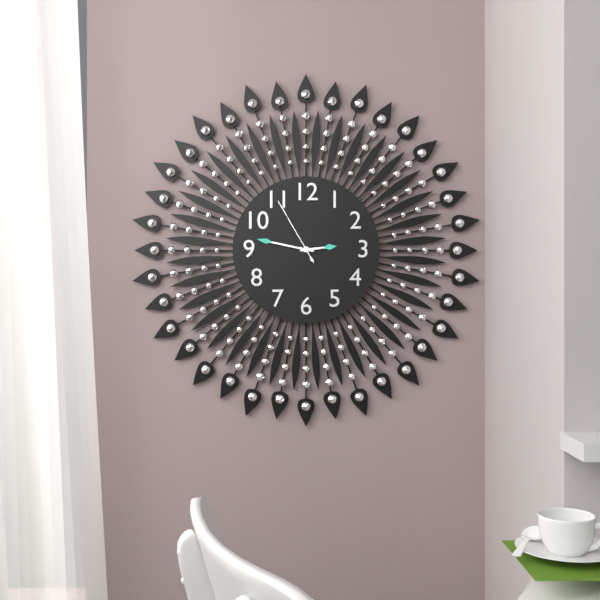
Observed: h=2 m=47 s=55
